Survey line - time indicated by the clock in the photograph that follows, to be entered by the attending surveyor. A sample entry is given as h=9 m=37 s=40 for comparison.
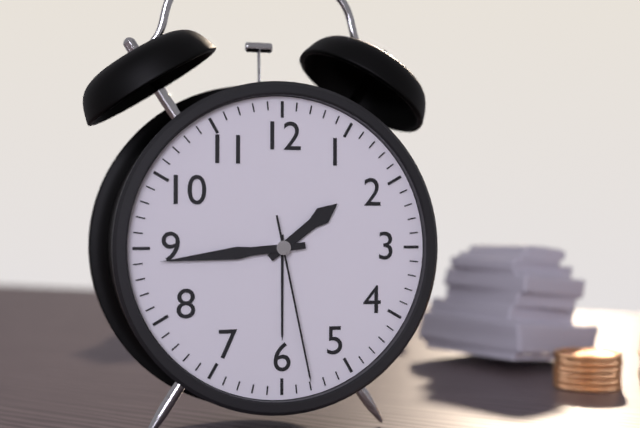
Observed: h=1 m=44 s=28
